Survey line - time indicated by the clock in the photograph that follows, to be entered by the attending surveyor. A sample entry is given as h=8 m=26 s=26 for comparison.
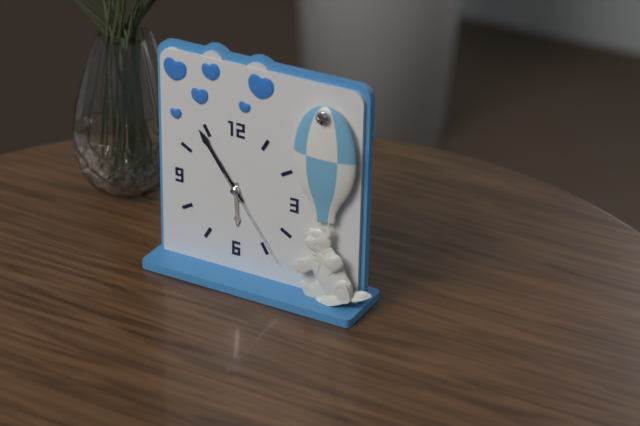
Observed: h=5 m=54 s=24
